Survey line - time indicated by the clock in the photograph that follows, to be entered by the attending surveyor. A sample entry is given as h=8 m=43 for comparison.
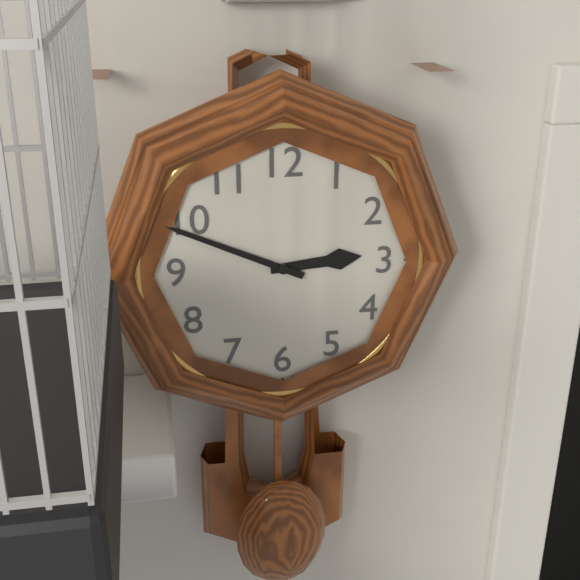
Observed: h=2 m=49
